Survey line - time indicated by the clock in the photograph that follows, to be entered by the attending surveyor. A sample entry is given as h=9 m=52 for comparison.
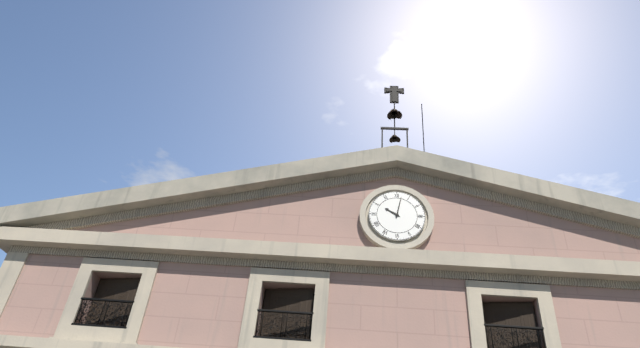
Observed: h=10 m=2
